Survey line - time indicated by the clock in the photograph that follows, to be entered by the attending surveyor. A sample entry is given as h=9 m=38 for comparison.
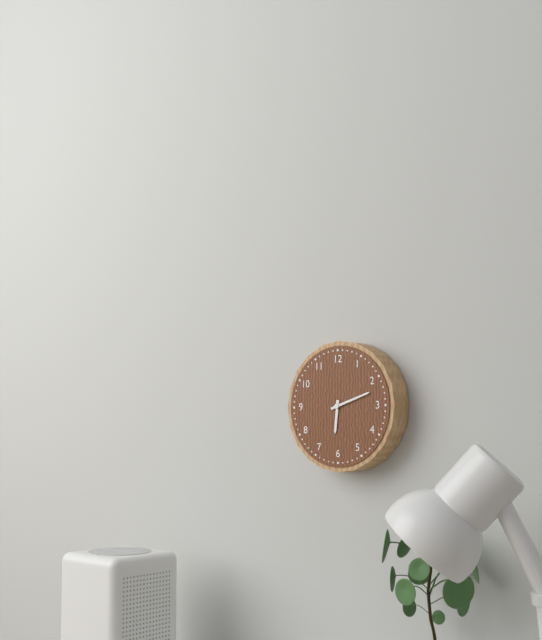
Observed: h=6 m=12
